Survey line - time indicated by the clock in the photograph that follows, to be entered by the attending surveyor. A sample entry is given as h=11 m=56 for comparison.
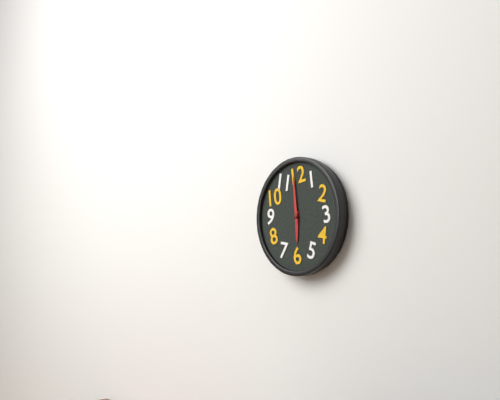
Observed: h=5 m=59
